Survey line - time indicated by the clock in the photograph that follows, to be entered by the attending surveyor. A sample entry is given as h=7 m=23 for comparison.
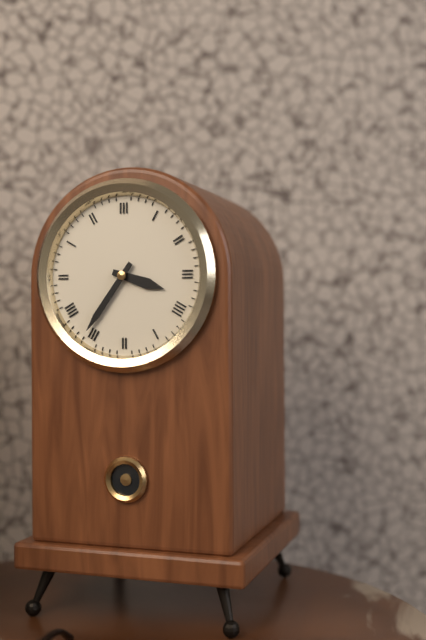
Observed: h=3 m=36
